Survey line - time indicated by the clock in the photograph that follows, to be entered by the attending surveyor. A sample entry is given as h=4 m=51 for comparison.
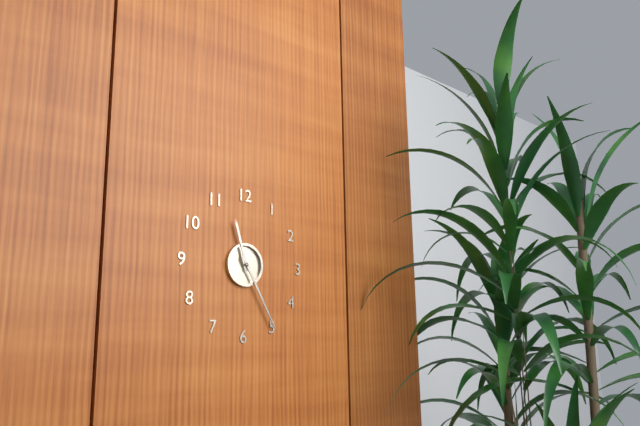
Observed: h=11 m=25
